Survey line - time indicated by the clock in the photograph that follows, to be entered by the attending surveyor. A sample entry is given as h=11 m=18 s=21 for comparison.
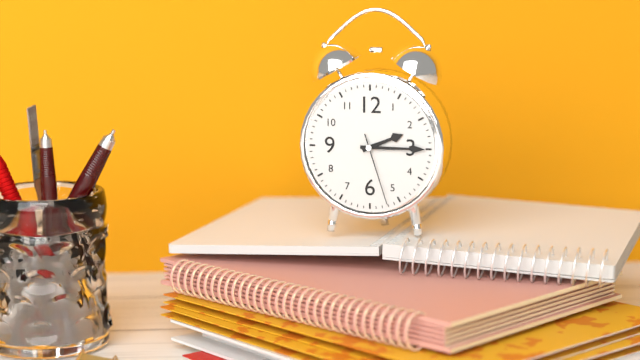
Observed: h=2 m=15 s=27
